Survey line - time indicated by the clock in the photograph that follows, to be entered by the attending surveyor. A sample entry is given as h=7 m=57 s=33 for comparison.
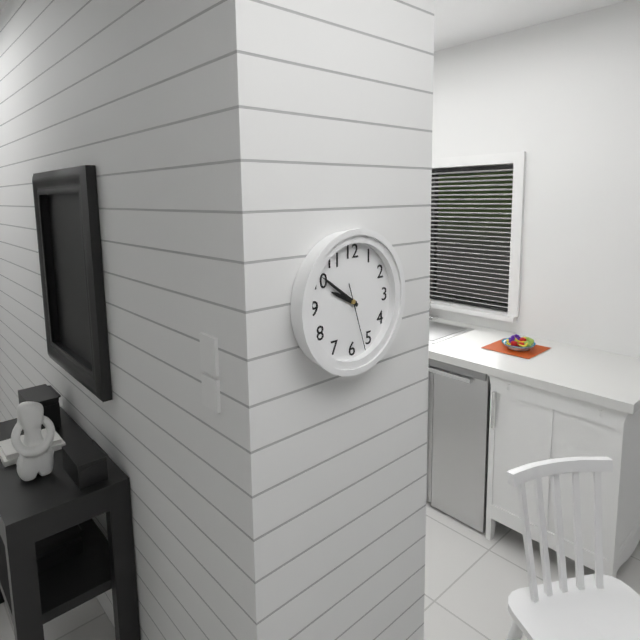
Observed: h=9 m=51 s=27
